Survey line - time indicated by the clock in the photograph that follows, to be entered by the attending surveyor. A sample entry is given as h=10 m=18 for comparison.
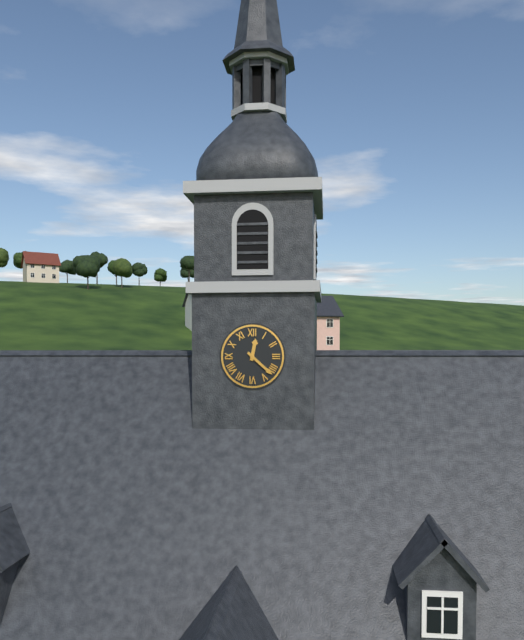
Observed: h=12 m=22
